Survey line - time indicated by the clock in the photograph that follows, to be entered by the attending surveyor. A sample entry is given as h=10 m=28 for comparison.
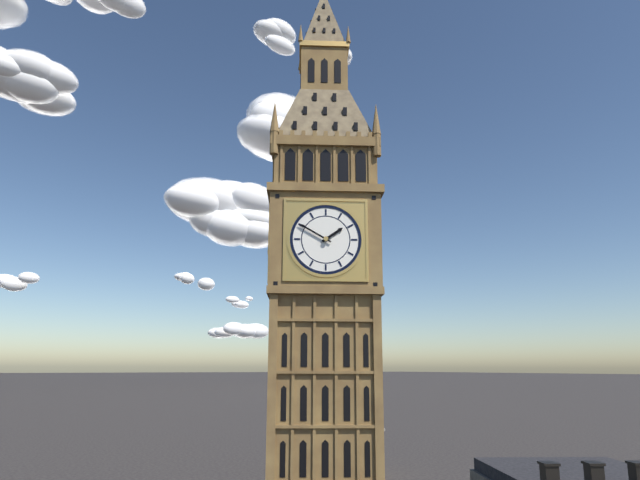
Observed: h=1 m=50
